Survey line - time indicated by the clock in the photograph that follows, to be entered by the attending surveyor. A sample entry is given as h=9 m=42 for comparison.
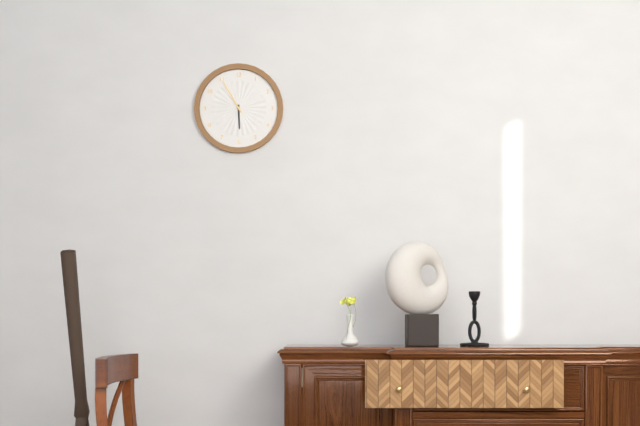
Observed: h=5 m=55
